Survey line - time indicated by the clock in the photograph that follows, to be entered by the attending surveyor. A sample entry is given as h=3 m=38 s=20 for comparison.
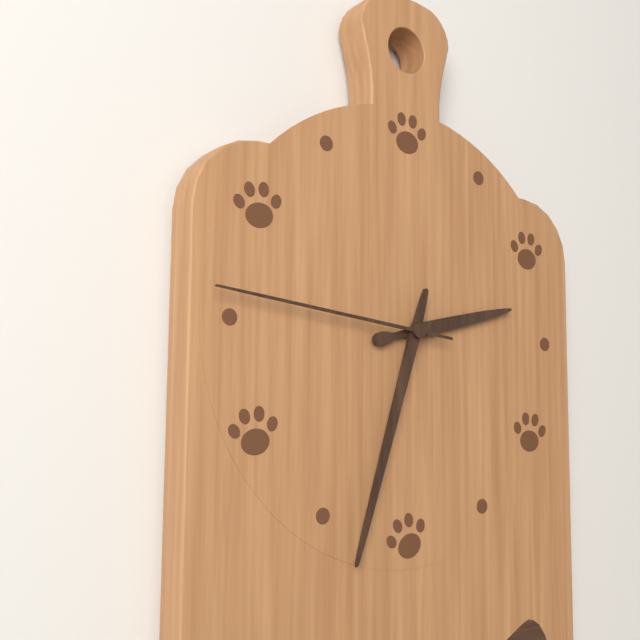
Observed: h=2 m=33 s=46
